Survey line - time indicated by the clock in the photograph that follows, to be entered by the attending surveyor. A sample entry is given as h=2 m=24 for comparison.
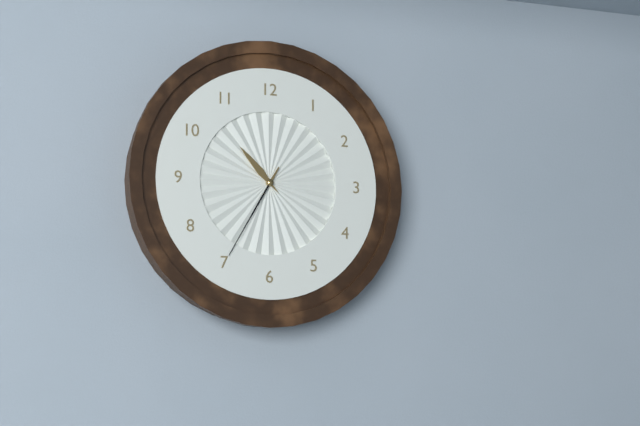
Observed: h=10 m=35
